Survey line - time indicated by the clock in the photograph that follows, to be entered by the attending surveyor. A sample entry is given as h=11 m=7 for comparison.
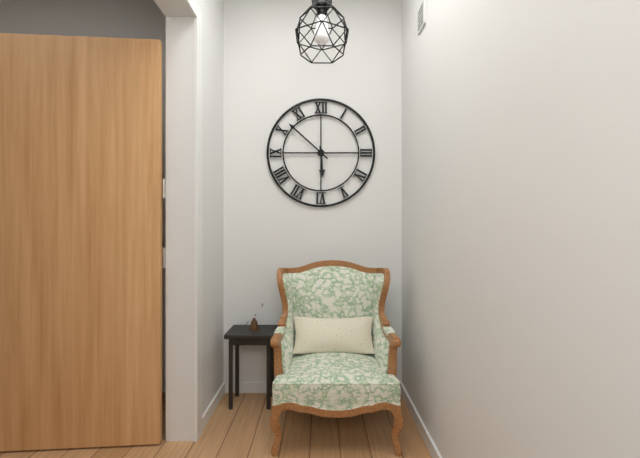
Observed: h=5 m=52
